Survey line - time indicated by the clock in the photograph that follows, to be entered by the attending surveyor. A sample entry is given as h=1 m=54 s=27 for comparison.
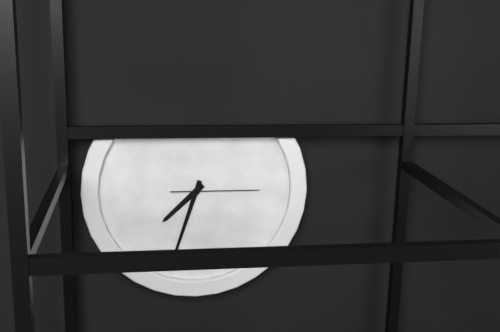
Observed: h=7 m=33 s=15
